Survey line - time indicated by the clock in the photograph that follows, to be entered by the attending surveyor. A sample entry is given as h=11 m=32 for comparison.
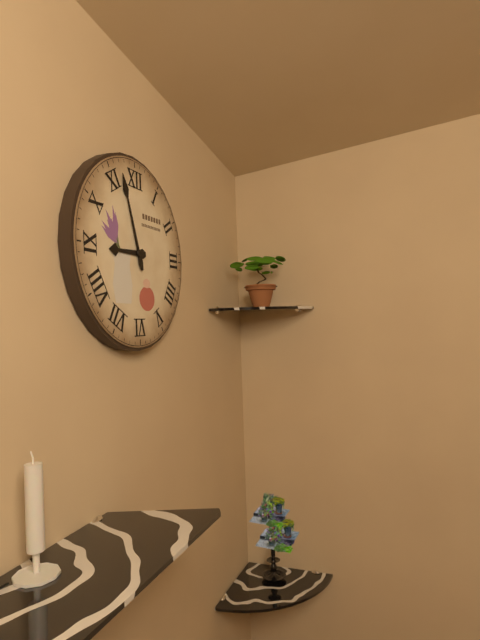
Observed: h=8 m=57
